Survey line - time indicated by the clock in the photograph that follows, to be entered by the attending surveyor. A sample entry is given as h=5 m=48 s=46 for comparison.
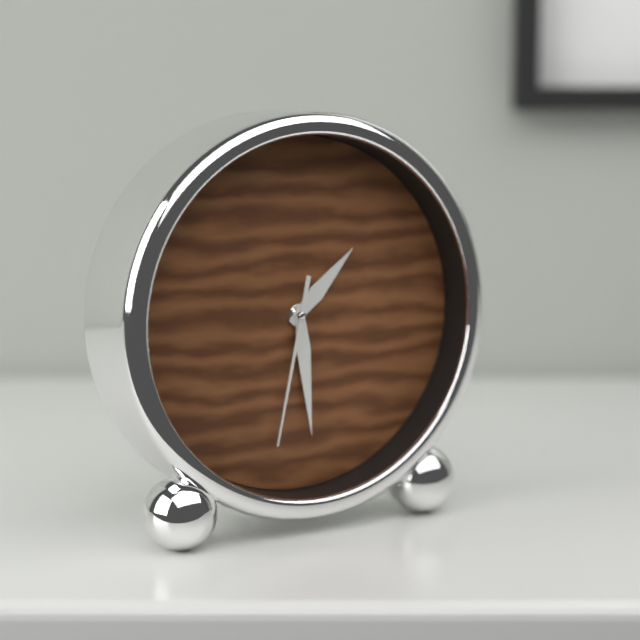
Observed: h=1 m=29 s=32
